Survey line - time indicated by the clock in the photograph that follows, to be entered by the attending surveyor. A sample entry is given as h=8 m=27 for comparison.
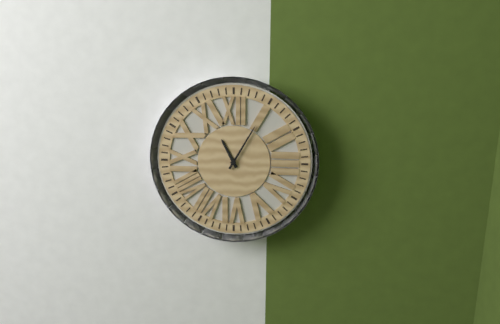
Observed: h=11 m=5
